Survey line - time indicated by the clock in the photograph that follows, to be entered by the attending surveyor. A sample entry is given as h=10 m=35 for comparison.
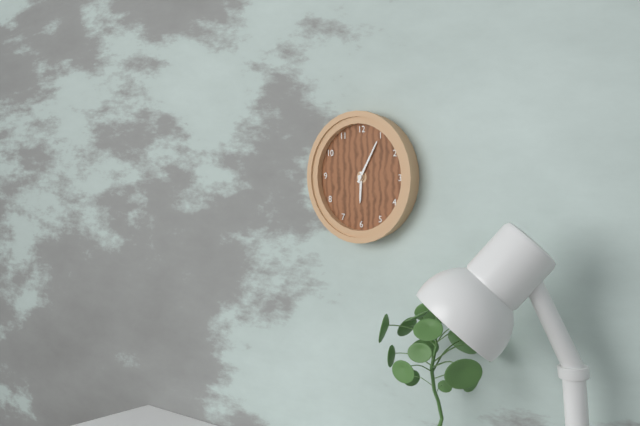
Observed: h=6 m=5
